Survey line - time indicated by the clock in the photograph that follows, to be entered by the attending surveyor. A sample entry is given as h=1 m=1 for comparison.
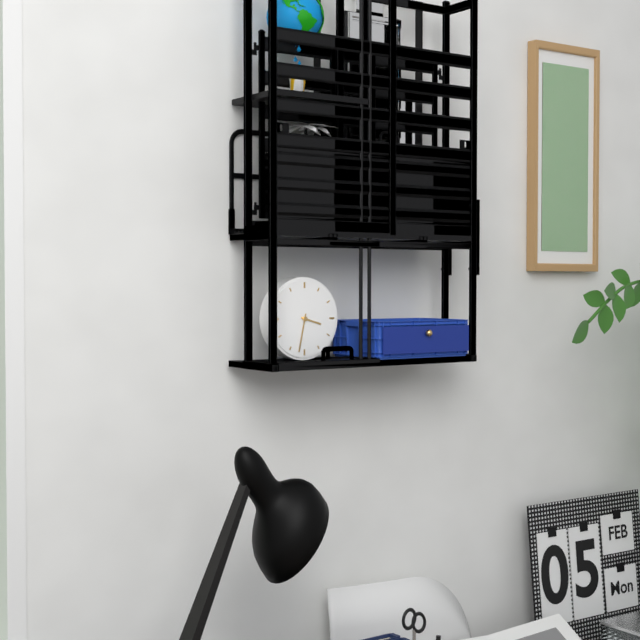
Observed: h=3 m=32
